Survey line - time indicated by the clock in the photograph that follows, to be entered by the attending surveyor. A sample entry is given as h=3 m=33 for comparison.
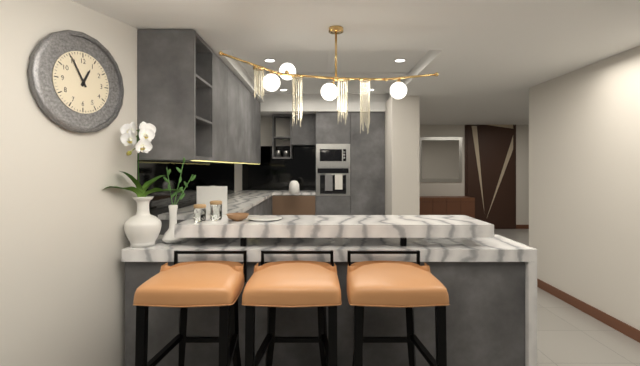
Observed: h=12 m=55
